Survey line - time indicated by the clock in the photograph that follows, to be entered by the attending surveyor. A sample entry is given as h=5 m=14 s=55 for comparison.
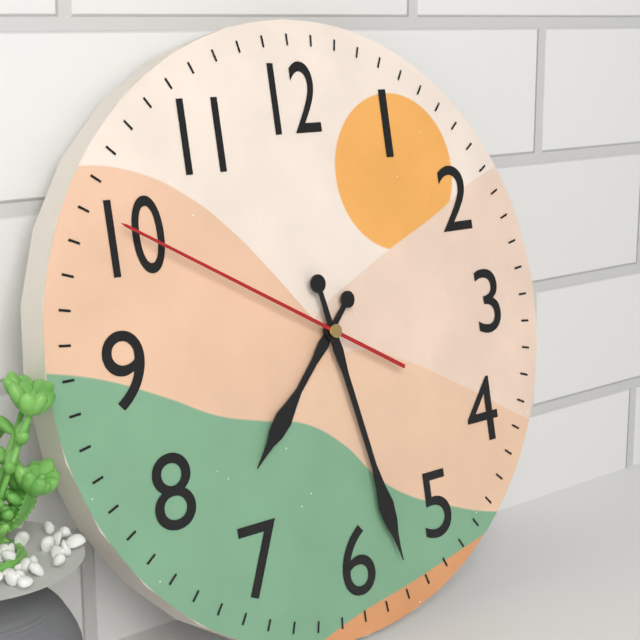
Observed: h=7 m=28 s=50
